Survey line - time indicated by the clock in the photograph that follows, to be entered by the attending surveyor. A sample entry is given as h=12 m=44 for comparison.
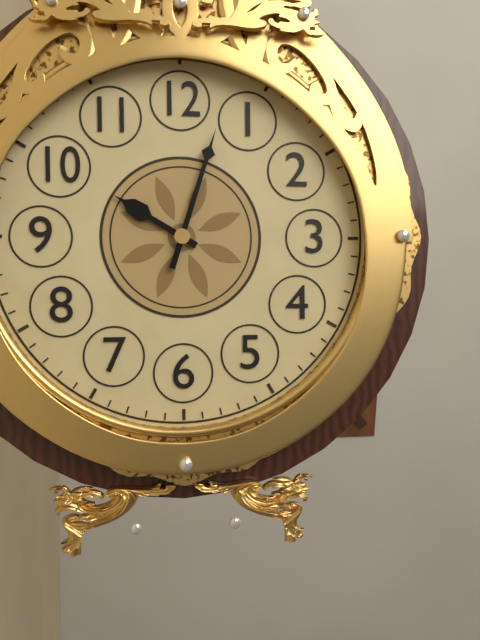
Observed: h=10 m=3
